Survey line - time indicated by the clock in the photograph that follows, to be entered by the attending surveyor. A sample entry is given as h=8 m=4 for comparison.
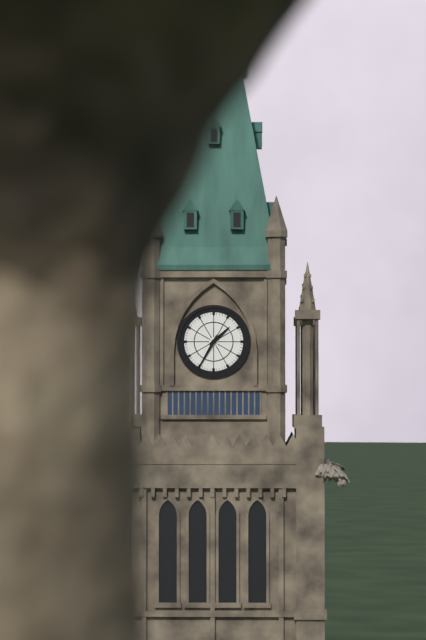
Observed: h=1 m=35
